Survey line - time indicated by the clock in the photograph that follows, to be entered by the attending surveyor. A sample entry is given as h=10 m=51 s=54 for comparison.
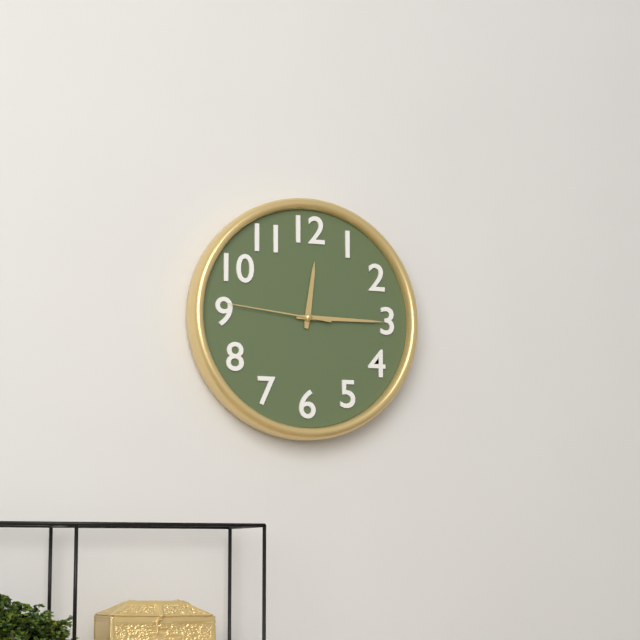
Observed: h=12 m=15 s=46
